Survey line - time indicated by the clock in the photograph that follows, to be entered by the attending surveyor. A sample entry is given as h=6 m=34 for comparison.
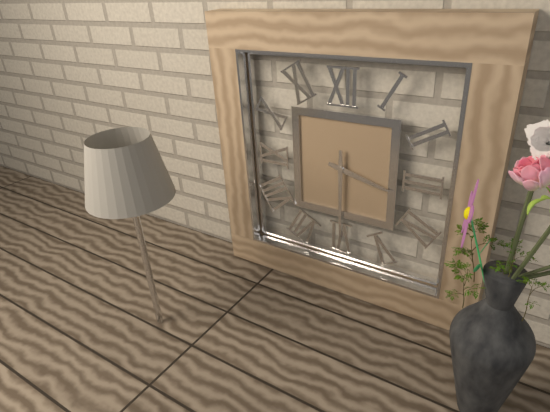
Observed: h=3 m=30
